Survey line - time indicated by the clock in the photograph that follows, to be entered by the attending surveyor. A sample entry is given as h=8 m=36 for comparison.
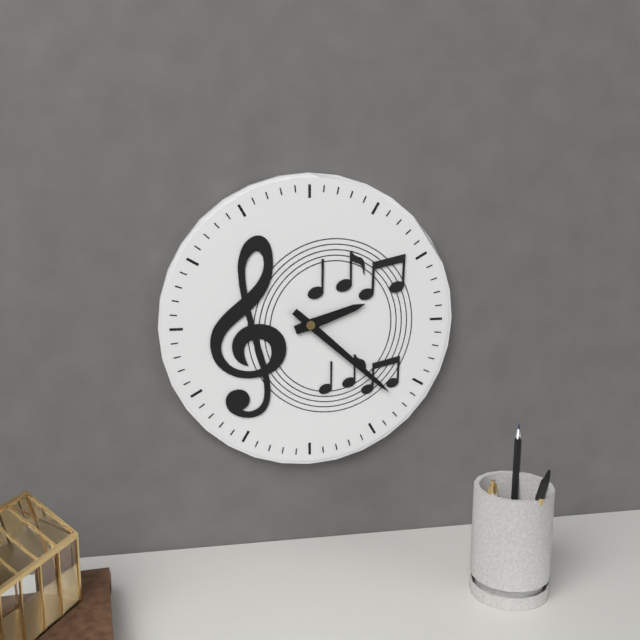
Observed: h=2 m=22
